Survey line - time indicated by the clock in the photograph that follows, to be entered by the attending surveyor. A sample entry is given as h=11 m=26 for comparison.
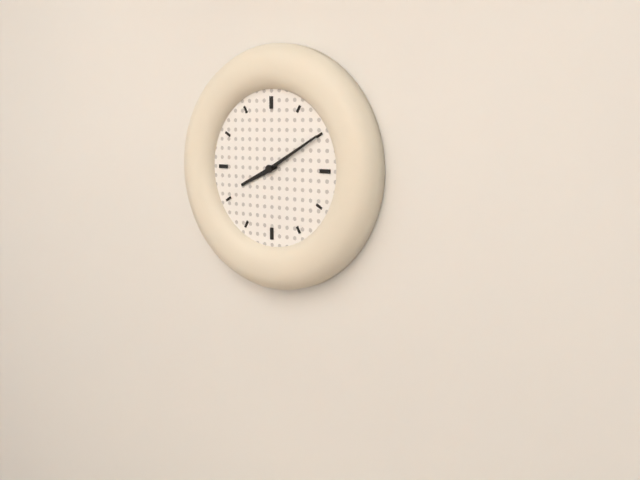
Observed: h=8 m=10
